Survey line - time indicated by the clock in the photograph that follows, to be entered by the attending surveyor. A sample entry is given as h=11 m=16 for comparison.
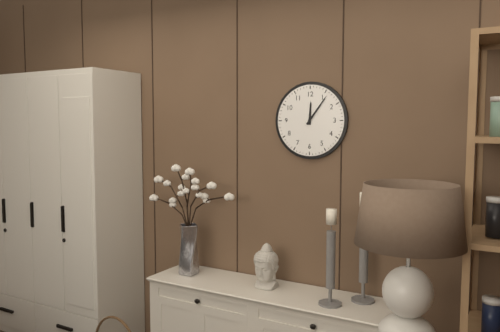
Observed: h=12 m=6
